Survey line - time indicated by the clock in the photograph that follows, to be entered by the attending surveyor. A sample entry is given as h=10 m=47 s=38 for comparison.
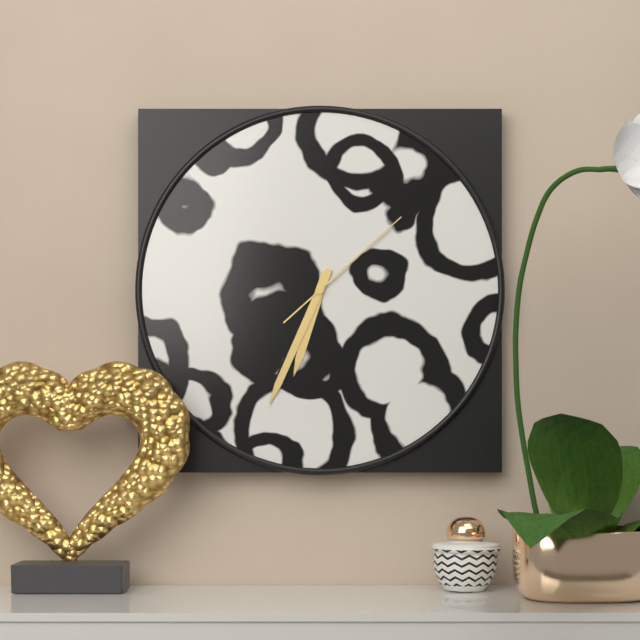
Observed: h=6 m=34 s=8
